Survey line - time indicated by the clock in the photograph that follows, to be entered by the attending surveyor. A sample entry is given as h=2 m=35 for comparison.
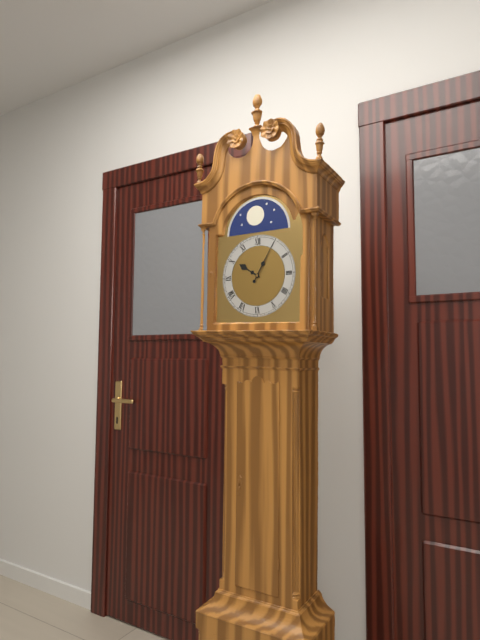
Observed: h=10 m=5
